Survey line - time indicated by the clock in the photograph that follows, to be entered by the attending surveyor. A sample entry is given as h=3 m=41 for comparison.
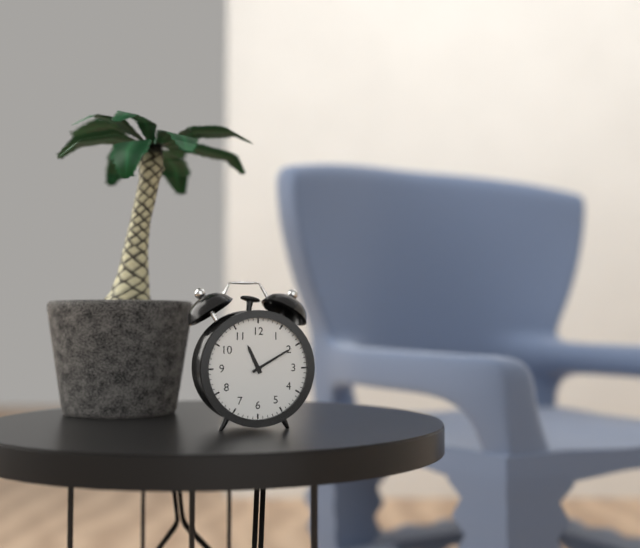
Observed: h=11 m=10
